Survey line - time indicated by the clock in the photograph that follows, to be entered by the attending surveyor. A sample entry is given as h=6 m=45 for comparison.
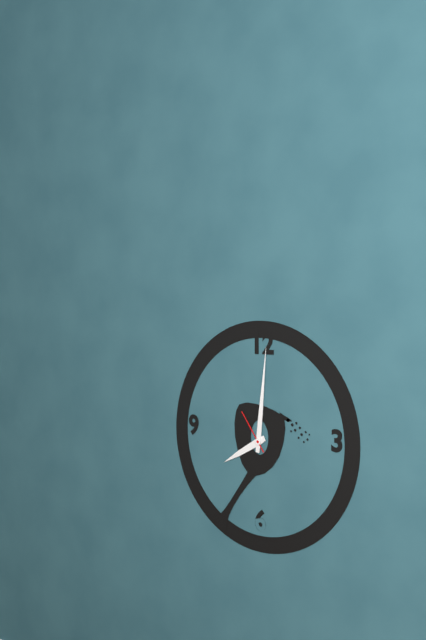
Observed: h=8 m=1
